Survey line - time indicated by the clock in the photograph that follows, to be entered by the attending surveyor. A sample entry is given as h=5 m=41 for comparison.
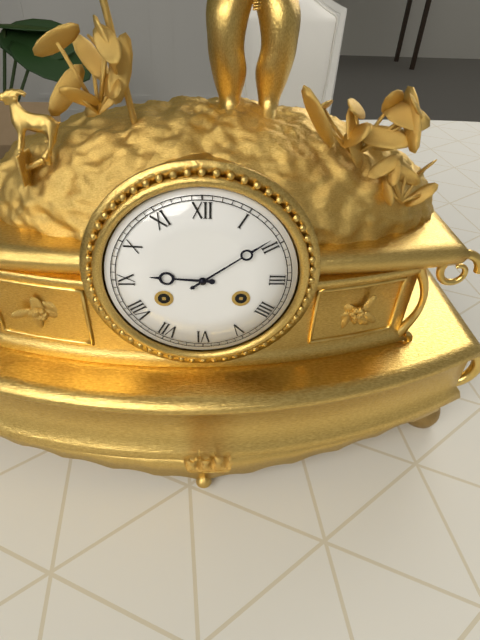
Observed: h=9 m=9
